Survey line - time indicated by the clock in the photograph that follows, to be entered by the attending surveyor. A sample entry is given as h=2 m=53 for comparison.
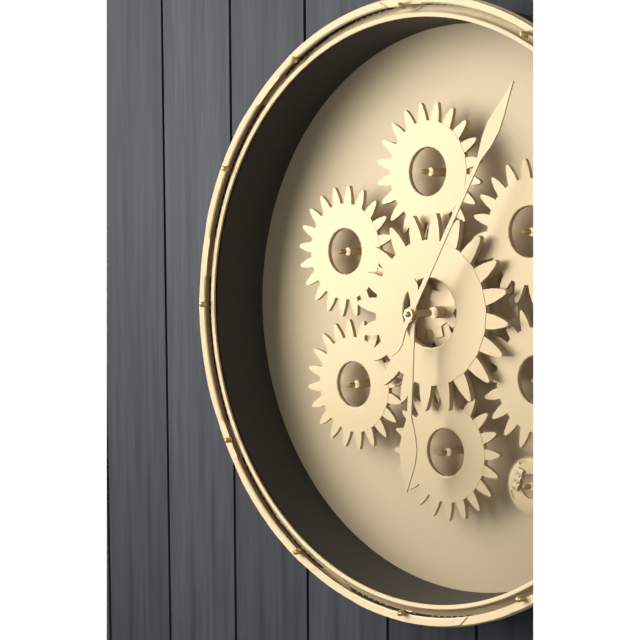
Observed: h=6 m=5
